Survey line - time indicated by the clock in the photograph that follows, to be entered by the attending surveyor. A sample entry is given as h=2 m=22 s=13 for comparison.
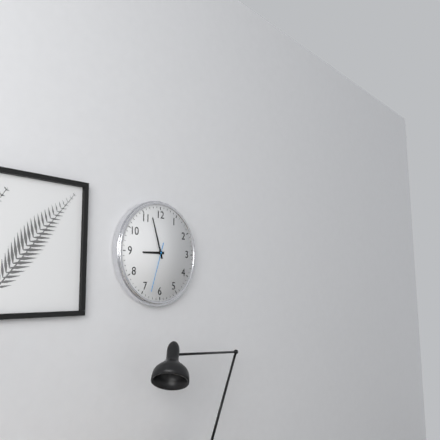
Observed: h=8 m=57 s=33
